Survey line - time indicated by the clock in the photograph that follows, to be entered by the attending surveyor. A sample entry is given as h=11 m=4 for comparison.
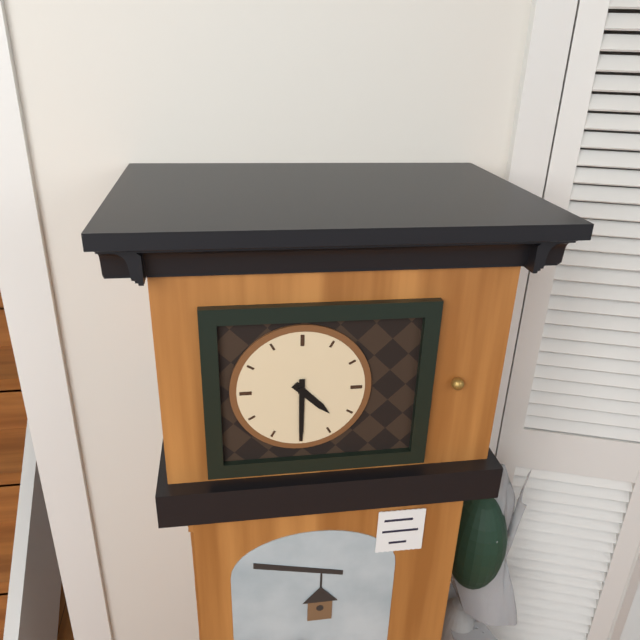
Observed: h=4 m=30
